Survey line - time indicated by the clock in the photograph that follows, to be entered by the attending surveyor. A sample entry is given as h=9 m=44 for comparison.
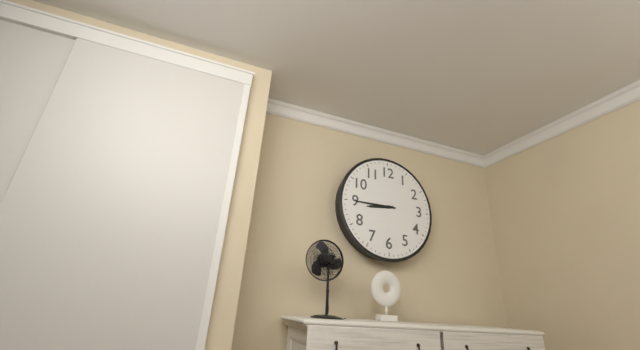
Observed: h=8 m=45
